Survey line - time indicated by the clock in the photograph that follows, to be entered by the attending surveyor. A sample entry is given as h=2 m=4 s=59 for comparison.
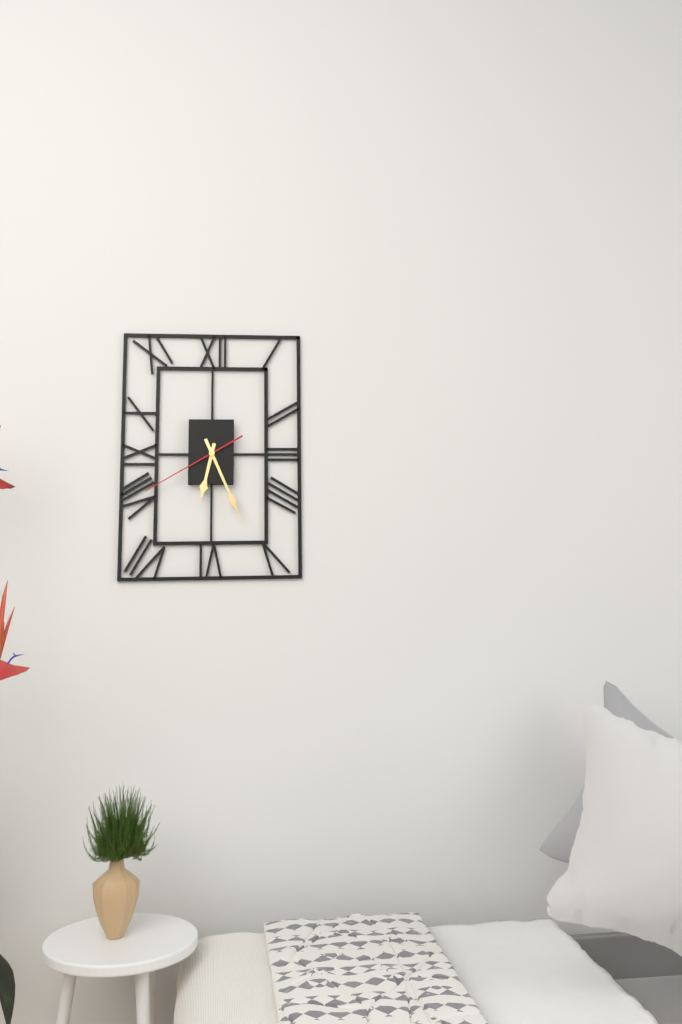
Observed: h=6 m=26 s=40
